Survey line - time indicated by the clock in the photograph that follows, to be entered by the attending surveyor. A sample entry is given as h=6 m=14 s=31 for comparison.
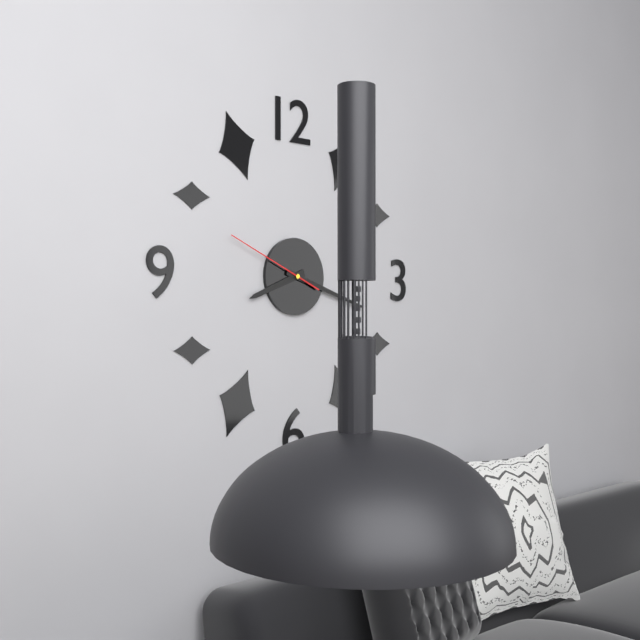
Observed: h=8 m=18 s=49
